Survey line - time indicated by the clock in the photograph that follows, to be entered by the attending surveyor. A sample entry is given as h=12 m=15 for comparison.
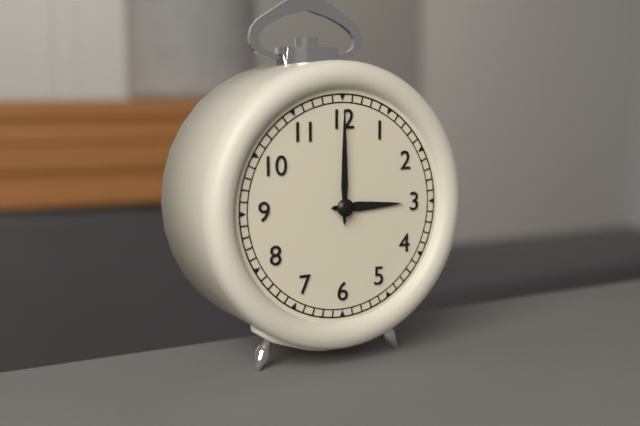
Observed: h=3 m=0
